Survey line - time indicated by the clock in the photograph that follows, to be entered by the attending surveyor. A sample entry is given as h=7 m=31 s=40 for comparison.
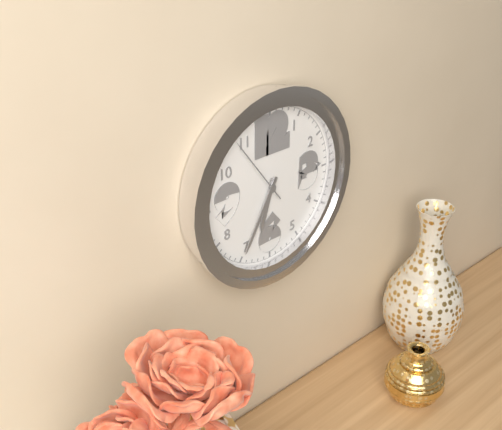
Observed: h=6 m=35 s=54
